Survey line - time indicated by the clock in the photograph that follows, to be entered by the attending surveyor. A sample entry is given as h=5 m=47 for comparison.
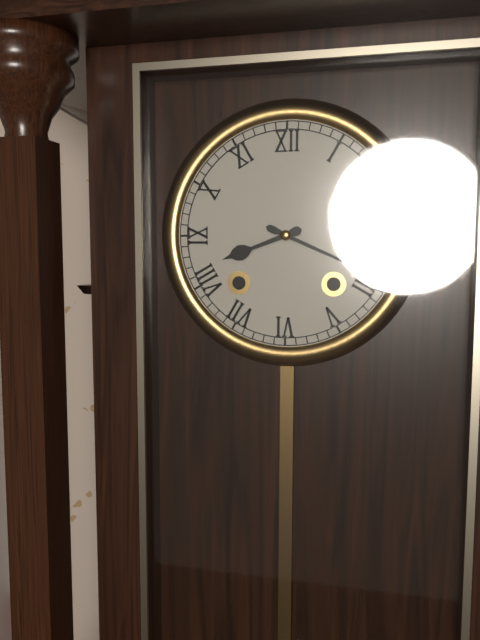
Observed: h=8 m=19
